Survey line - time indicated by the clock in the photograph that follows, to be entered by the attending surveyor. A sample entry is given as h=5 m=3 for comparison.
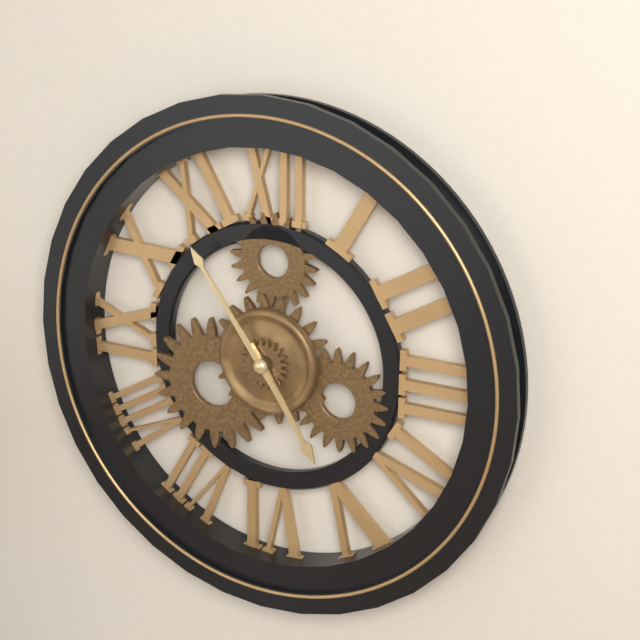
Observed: h=4 m=54
